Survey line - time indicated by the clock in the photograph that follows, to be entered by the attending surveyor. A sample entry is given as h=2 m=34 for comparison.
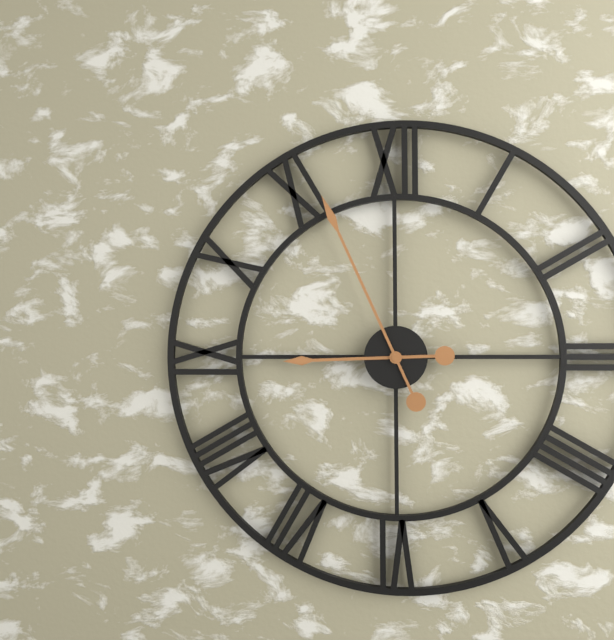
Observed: h=8 m=56
